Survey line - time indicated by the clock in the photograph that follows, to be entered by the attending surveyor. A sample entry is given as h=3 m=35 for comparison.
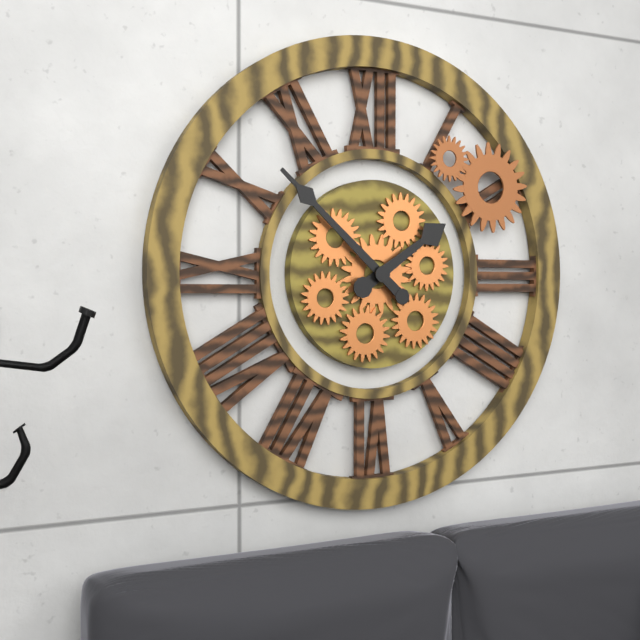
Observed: h=1 m=52
